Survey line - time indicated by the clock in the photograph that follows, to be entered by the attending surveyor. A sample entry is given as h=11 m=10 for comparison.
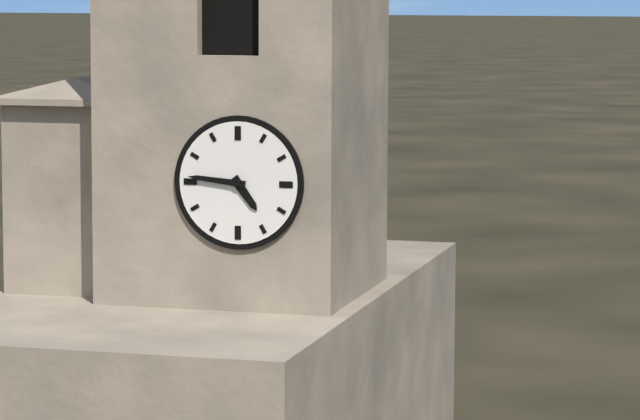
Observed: h=4 m=46
